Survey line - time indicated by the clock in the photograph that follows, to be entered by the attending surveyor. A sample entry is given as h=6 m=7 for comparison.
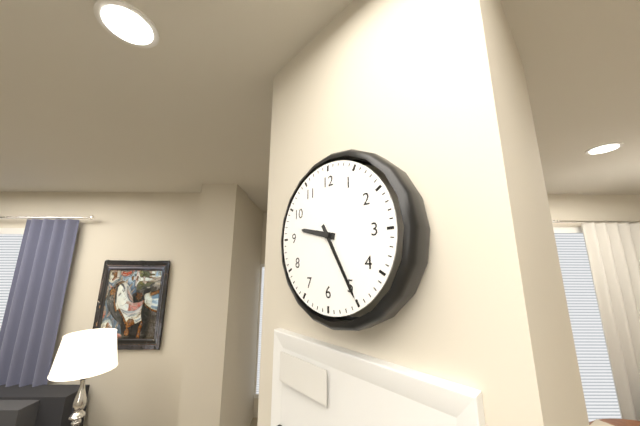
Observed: h=9 m=25
